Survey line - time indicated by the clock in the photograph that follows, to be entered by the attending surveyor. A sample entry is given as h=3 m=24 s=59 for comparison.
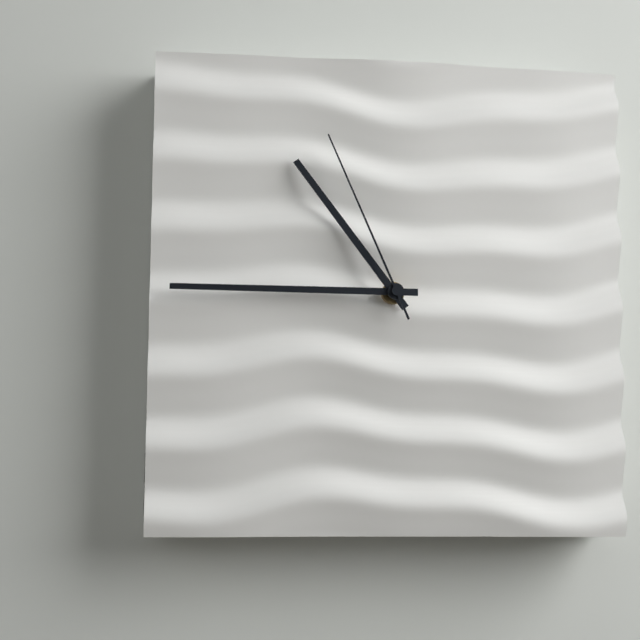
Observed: h=10 m=45 s=56
